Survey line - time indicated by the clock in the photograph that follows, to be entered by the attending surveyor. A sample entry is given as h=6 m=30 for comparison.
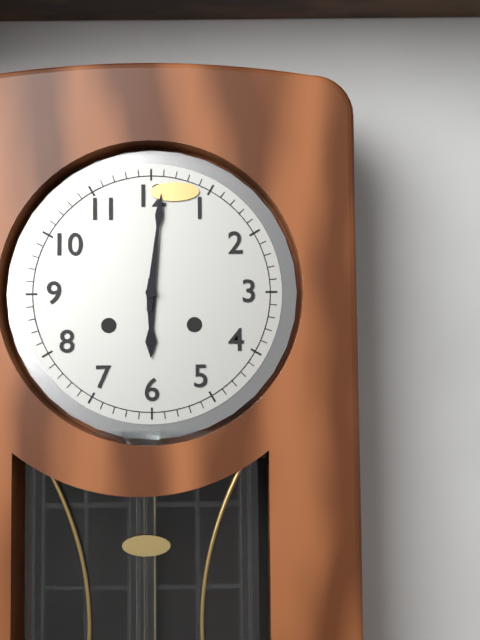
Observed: h=6 m=1
